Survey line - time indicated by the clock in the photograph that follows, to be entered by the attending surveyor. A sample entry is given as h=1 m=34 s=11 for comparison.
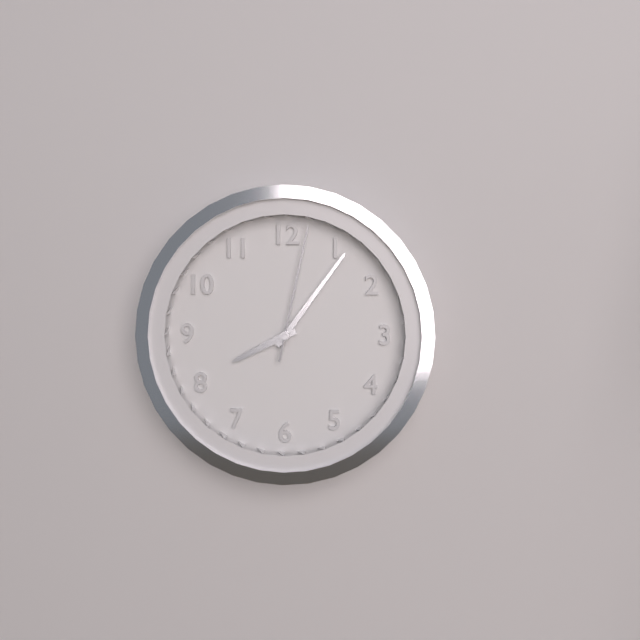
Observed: h=8 m=6 s=2
